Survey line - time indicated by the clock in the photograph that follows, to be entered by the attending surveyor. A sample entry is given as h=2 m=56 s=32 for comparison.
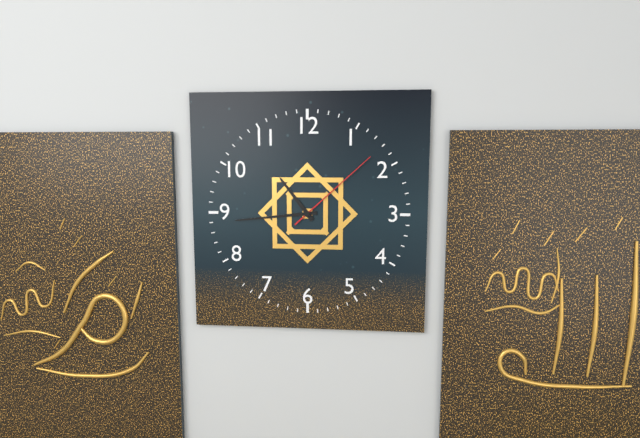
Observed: h=10 m=44 s=8
